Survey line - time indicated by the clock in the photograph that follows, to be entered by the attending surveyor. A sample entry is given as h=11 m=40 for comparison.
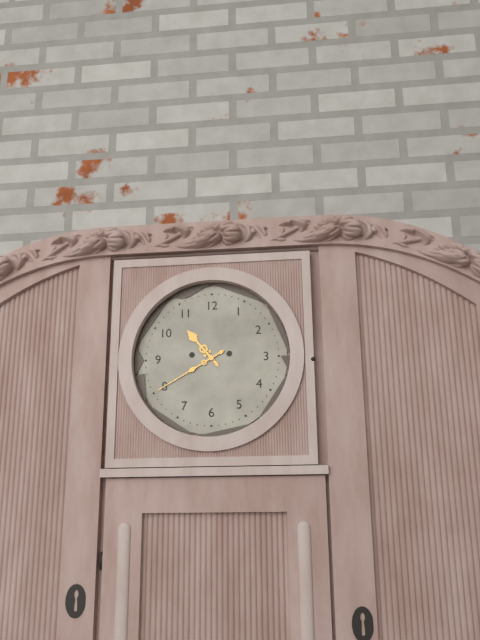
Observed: h=10 m=40
